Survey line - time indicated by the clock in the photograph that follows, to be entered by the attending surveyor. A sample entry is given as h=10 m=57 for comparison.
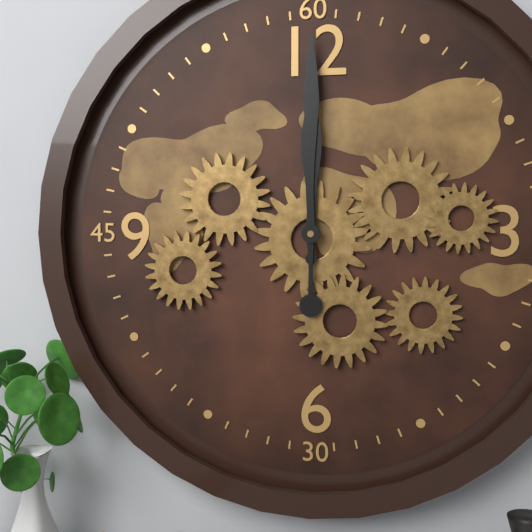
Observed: h=12 m=0
